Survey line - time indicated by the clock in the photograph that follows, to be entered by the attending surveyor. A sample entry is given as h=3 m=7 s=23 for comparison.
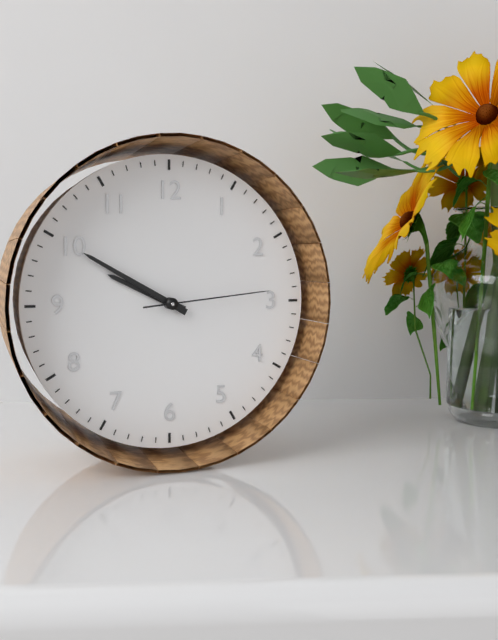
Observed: h=9 m=50 s=14
